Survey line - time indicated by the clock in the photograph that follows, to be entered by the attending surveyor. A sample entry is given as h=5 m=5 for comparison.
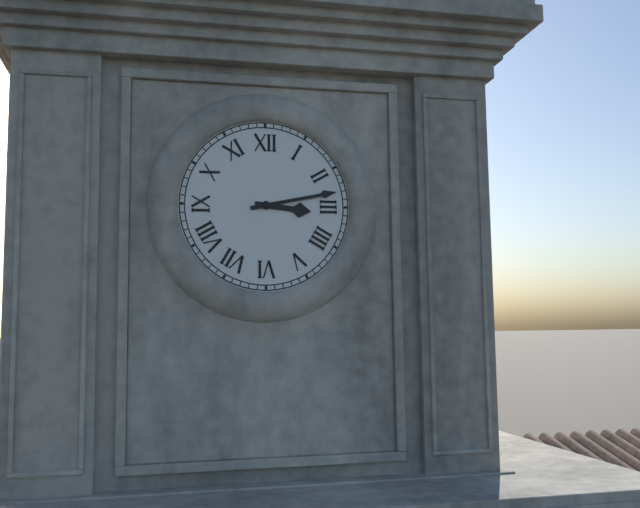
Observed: h=3 m=13
